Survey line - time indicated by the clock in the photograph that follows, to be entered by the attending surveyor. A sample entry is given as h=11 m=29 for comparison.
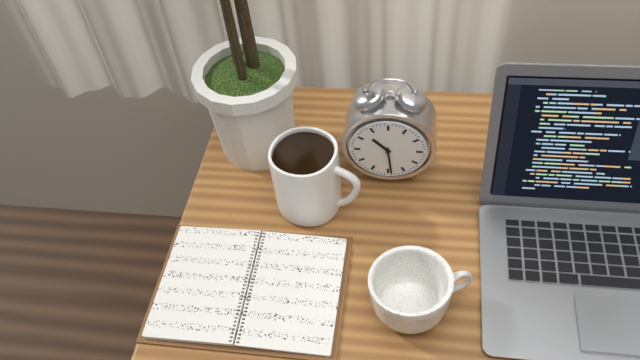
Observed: h=10 m=29
